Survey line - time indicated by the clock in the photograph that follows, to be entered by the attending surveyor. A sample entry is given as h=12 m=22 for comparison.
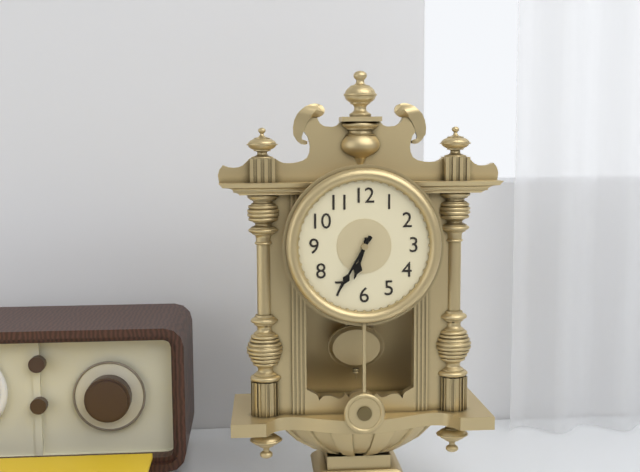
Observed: h=6 m=35
